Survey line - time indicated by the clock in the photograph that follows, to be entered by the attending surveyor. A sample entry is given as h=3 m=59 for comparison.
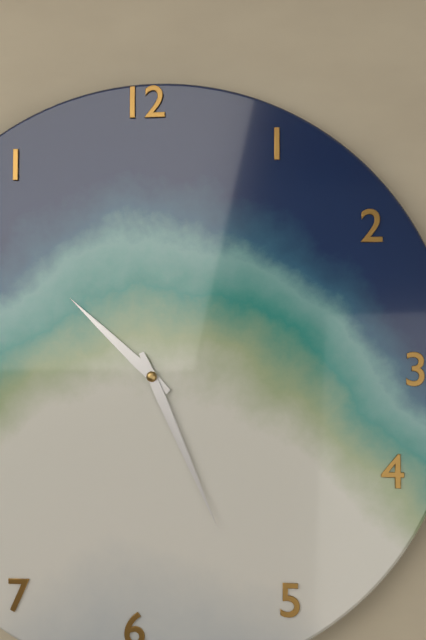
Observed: h=10 m=26
